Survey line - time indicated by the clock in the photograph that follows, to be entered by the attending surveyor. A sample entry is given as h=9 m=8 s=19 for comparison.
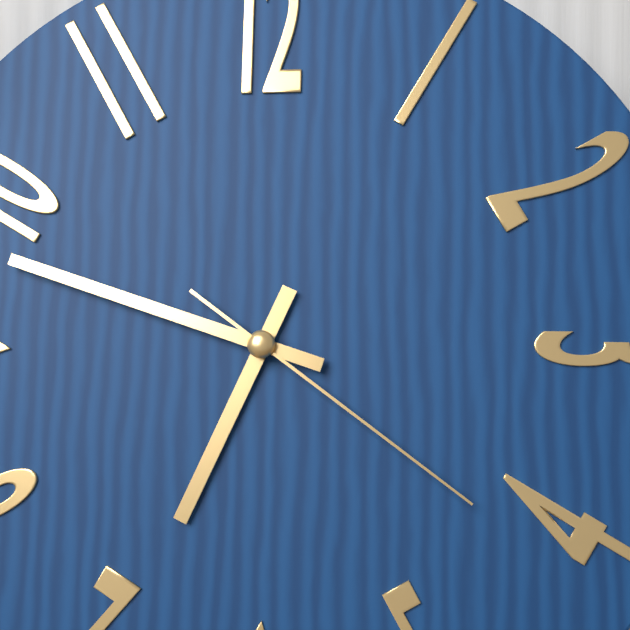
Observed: h=6 m=48 s=21
